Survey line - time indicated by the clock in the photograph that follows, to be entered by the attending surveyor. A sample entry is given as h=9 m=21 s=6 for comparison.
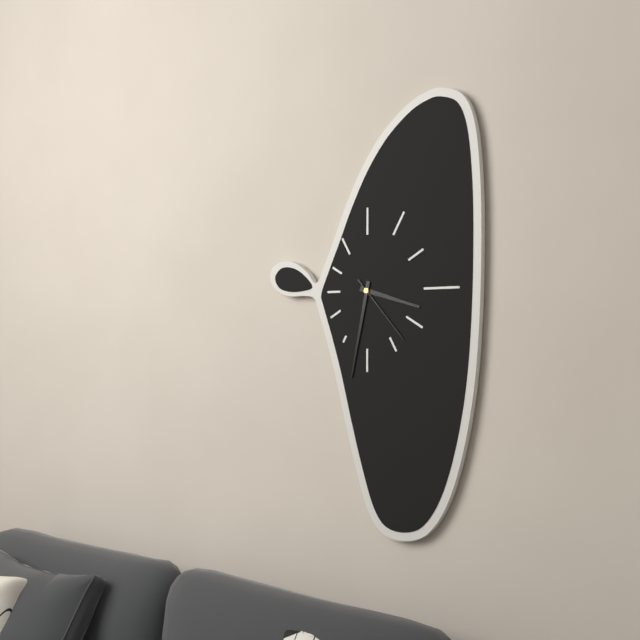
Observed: h=3 m=32 s=23
